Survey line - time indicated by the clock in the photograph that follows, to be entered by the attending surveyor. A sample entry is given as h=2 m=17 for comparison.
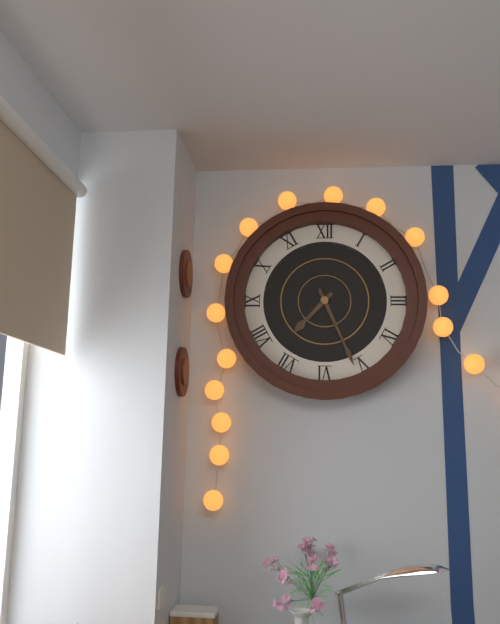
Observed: h=7 m=26
